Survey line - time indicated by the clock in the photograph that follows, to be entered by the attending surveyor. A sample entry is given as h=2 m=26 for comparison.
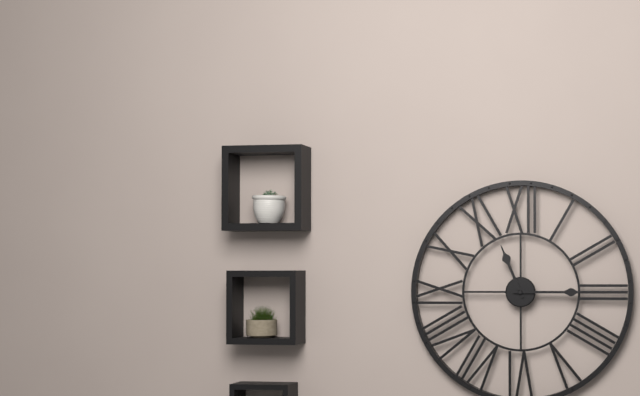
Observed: h=11 m=15
